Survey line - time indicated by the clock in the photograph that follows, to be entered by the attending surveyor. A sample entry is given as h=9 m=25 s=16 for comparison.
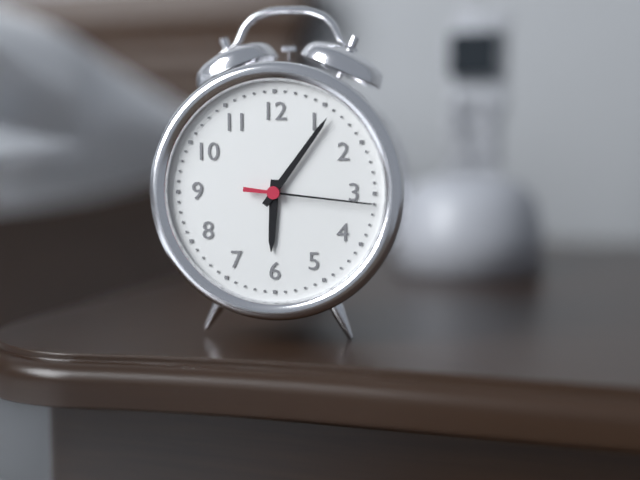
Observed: h=6 m=6 s=16
